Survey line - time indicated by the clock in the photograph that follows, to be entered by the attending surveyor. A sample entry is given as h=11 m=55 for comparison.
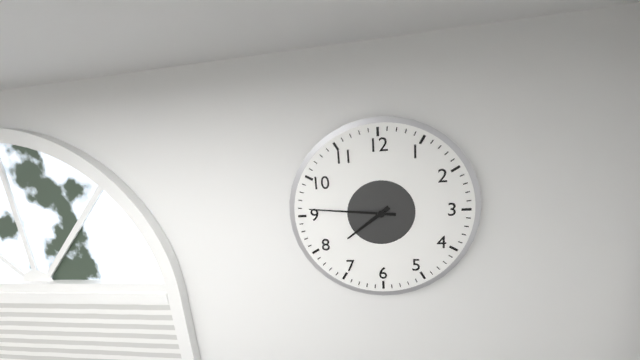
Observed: h=7 m=46
